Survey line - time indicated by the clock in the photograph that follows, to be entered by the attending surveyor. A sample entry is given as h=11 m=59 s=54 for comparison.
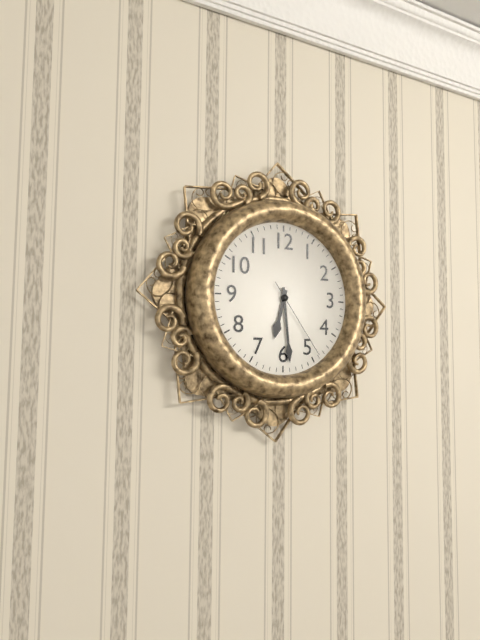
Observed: h=6 m=29 s=24
